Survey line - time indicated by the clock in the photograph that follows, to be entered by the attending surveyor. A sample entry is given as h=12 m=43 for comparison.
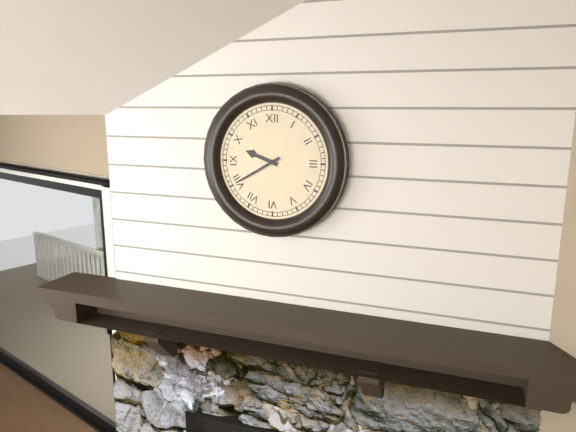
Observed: h=9 m=40
